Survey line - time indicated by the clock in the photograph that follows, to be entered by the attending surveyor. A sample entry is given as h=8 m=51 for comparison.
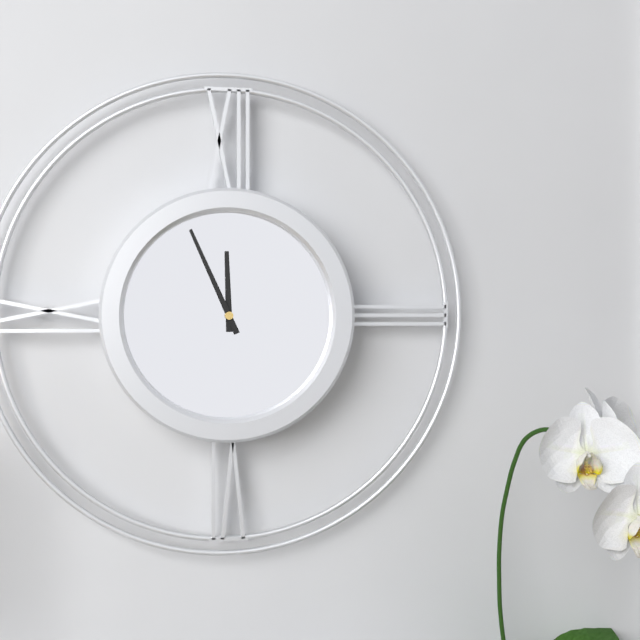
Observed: h=11 m=56
